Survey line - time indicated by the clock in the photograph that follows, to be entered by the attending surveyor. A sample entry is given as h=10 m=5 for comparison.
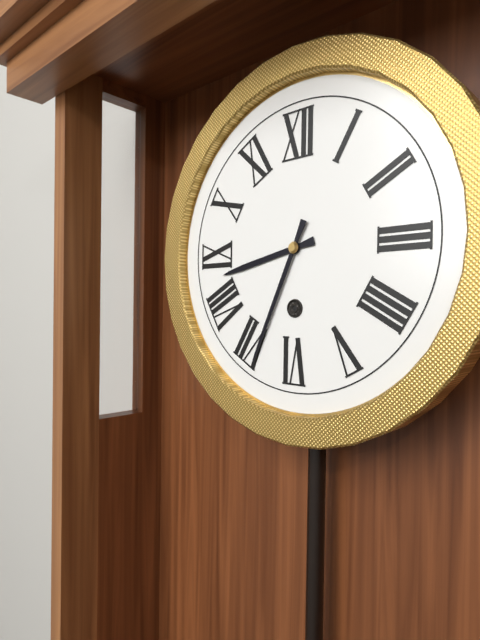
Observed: h=8 m=34
